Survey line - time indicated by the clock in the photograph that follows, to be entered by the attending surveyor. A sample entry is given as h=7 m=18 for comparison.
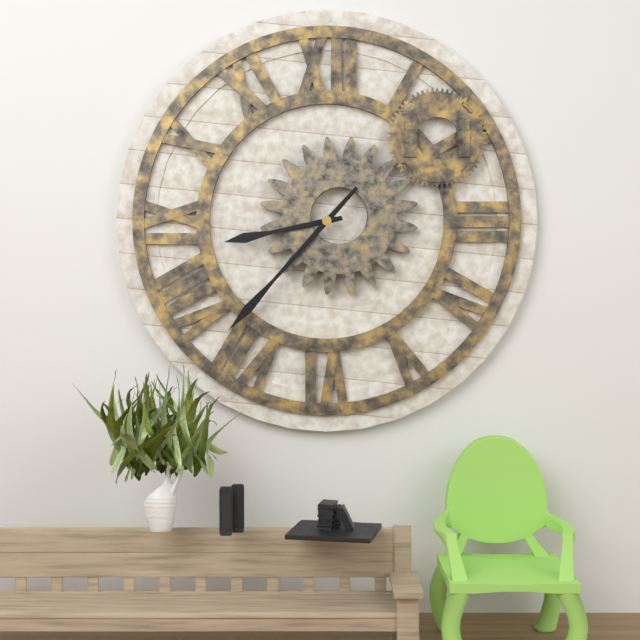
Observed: h=8 m=37
